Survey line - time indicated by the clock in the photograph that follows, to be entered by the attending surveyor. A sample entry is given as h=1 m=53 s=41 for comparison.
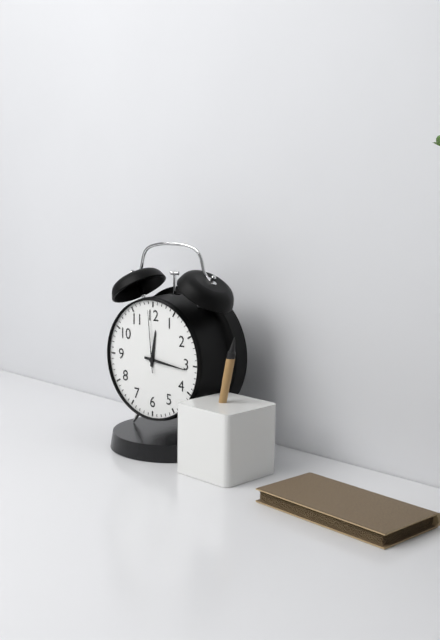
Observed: h=12 m=16 s=59
